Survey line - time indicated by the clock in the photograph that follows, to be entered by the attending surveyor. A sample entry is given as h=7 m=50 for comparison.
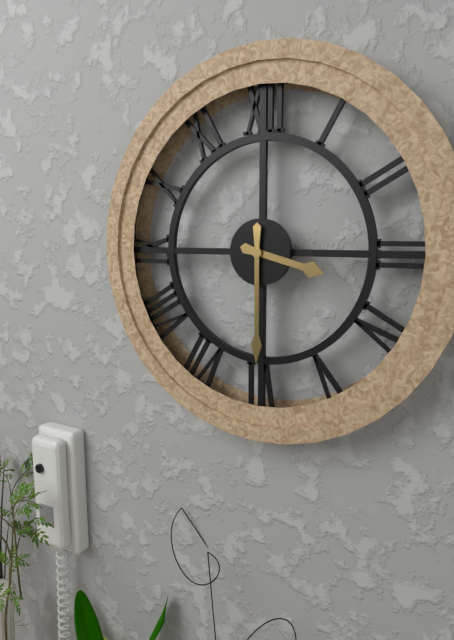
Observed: h=3 m=30
